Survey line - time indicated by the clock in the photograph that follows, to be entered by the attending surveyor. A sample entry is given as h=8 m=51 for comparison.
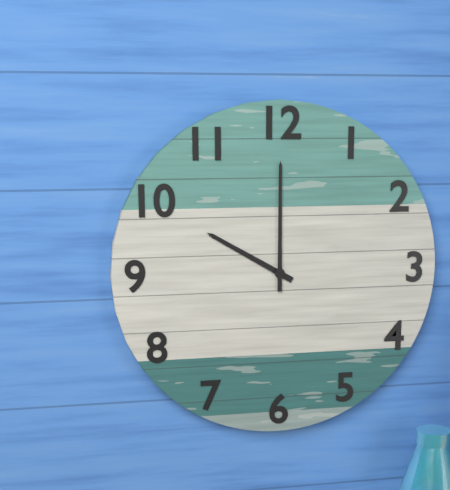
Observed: h=10 m=0
